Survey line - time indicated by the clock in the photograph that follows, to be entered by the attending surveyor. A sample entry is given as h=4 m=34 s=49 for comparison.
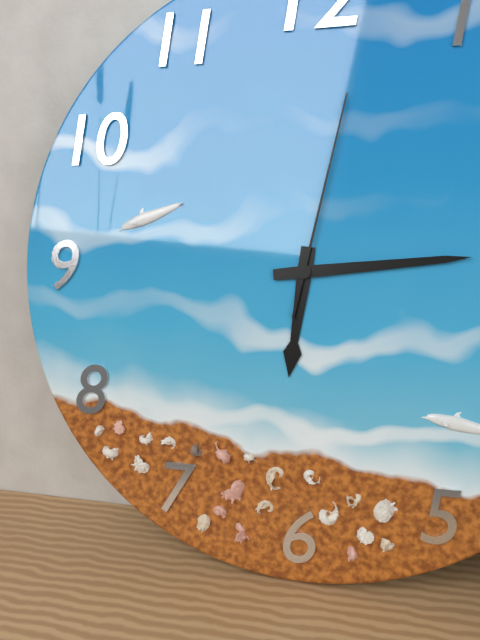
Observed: h=6 m=14 s=2
